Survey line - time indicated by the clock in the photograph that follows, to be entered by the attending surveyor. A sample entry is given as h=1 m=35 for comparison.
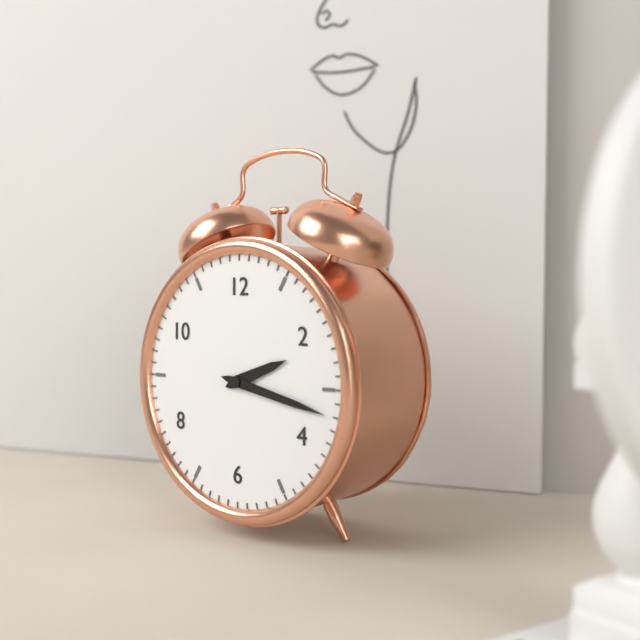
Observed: h=2 m=17
